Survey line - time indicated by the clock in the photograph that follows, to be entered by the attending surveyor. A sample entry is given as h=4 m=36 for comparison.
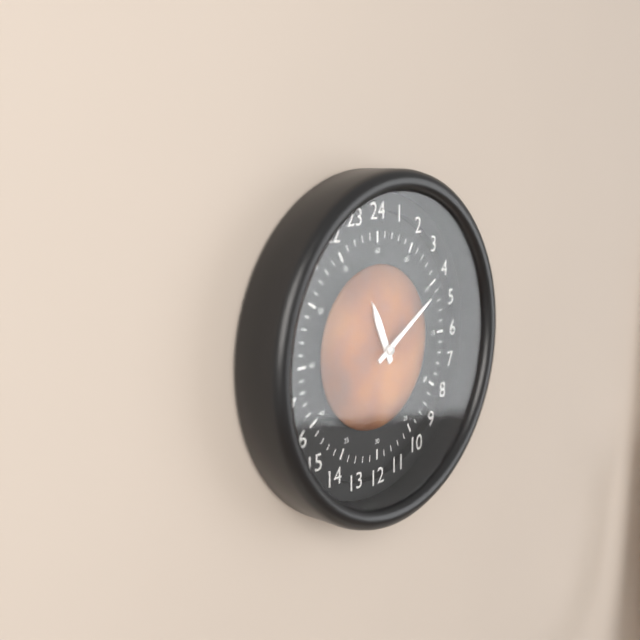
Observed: h=11 m=10
